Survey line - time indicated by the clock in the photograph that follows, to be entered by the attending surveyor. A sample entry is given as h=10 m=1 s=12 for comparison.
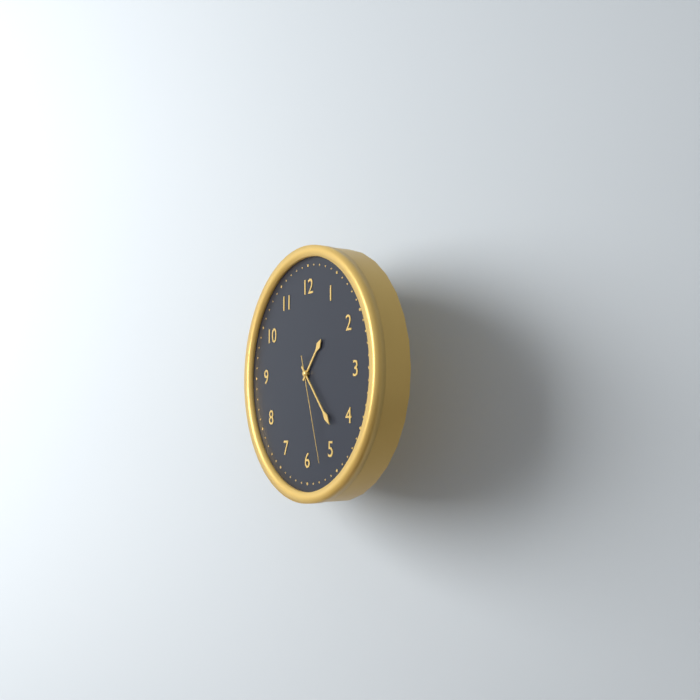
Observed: h=1 m=23 s=27
